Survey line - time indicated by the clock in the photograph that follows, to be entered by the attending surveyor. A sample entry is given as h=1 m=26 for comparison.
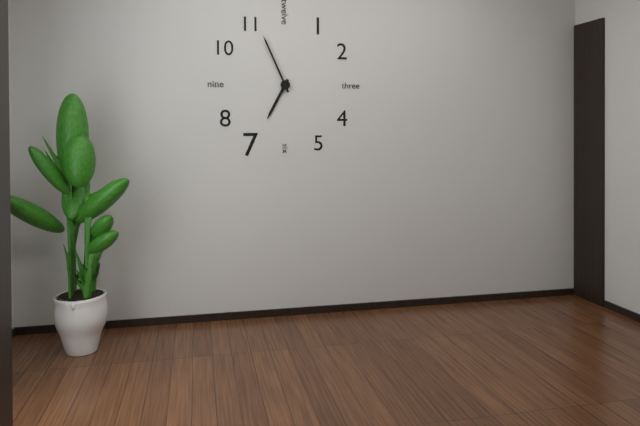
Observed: h=6 m=56
